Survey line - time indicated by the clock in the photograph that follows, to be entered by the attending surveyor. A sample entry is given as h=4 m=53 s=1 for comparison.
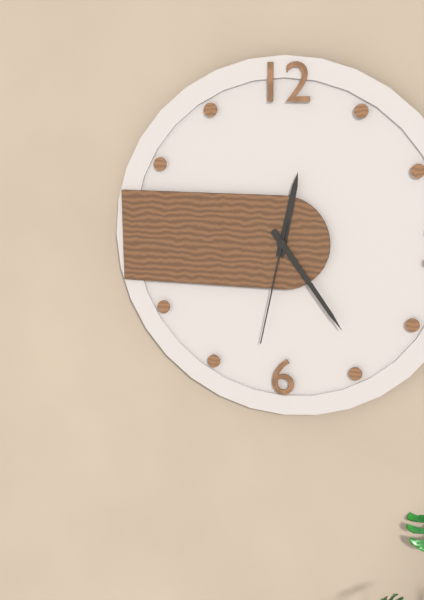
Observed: h=12 m=24 s=32
